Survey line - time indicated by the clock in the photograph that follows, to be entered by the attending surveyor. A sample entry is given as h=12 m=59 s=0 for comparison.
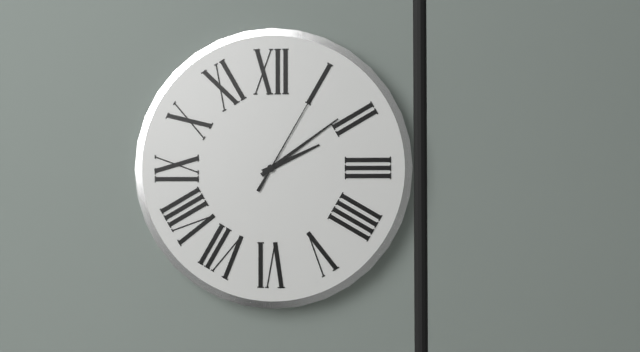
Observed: h=2 m=9 s=5
